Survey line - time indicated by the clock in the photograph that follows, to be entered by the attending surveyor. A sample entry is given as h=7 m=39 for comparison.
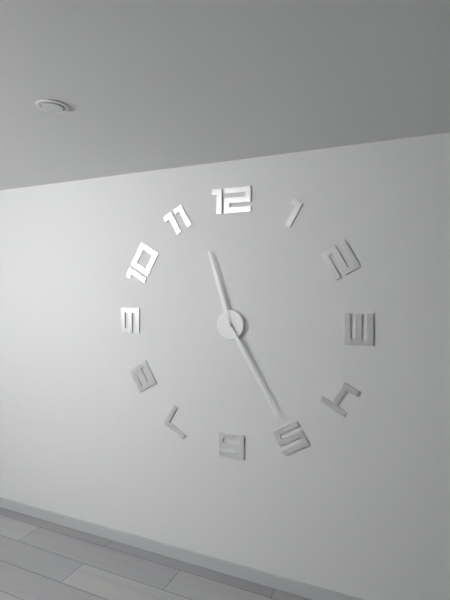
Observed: h=11 m=25
